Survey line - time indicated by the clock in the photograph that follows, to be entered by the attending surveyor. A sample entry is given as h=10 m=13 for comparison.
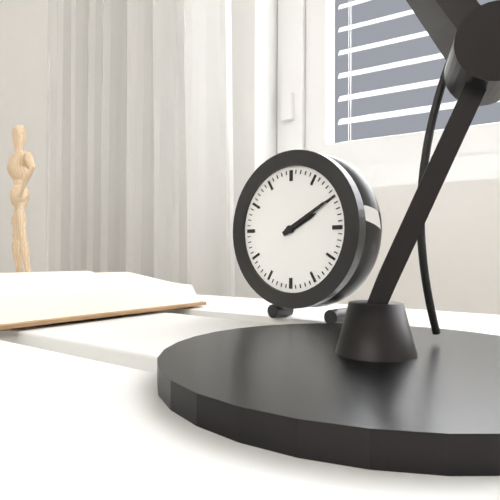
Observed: h=2 m=10
